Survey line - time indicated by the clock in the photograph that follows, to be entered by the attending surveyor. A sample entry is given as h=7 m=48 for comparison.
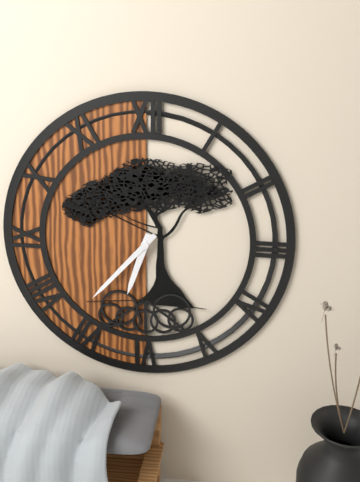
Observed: h=6 m=37
